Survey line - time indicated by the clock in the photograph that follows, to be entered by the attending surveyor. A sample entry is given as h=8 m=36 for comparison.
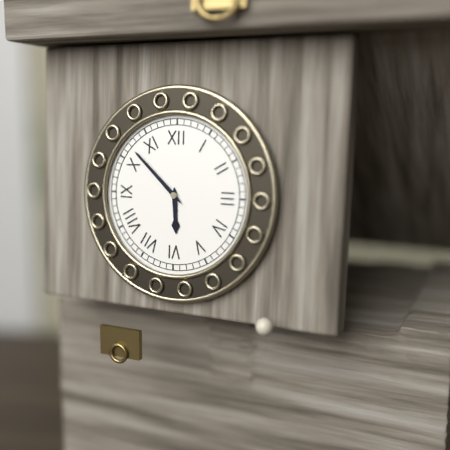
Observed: h=5 m=52
